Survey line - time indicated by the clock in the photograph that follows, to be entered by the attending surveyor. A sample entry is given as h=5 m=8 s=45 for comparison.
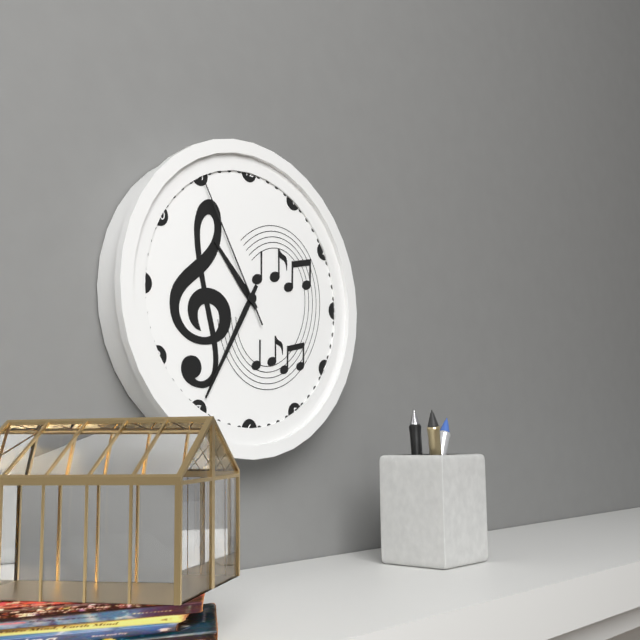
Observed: h=10 m=35 s=55
